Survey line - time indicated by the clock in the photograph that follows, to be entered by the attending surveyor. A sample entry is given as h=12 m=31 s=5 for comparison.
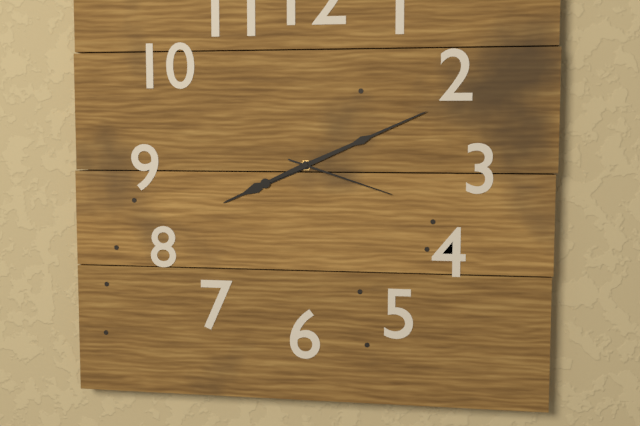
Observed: h=8 m=11 s=18
